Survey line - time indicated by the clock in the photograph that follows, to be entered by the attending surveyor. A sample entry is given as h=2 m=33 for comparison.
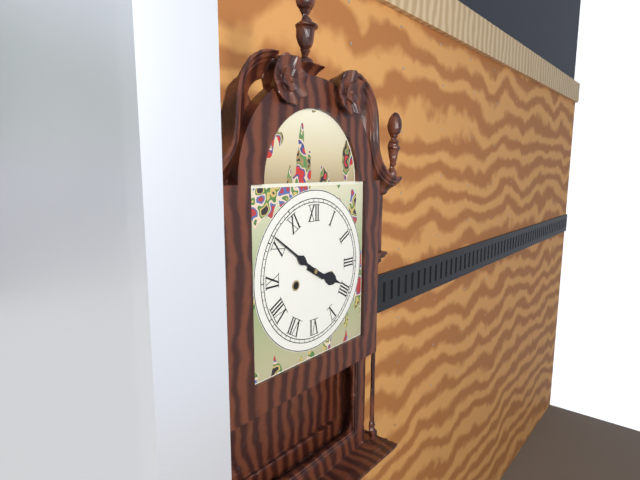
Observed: h=3 m=51
